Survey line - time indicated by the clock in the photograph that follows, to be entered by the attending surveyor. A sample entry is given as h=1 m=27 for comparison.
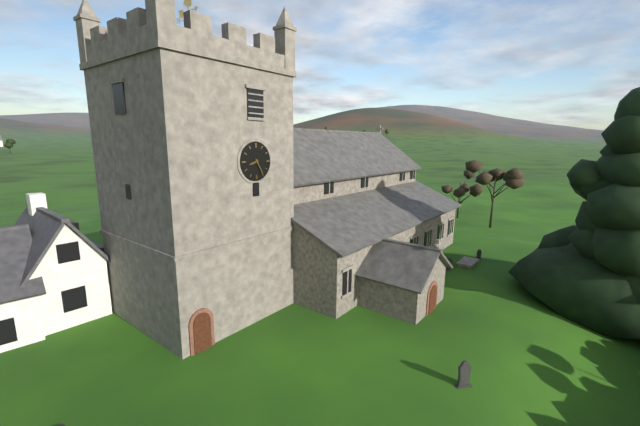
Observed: h=8 m=25
